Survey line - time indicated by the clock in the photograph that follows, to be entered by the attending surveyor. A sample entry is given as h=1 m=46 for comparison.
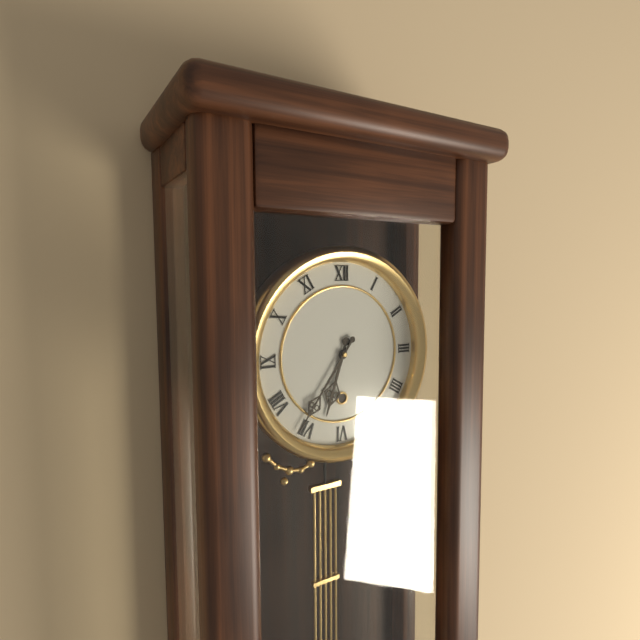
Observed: h=6 m=36
